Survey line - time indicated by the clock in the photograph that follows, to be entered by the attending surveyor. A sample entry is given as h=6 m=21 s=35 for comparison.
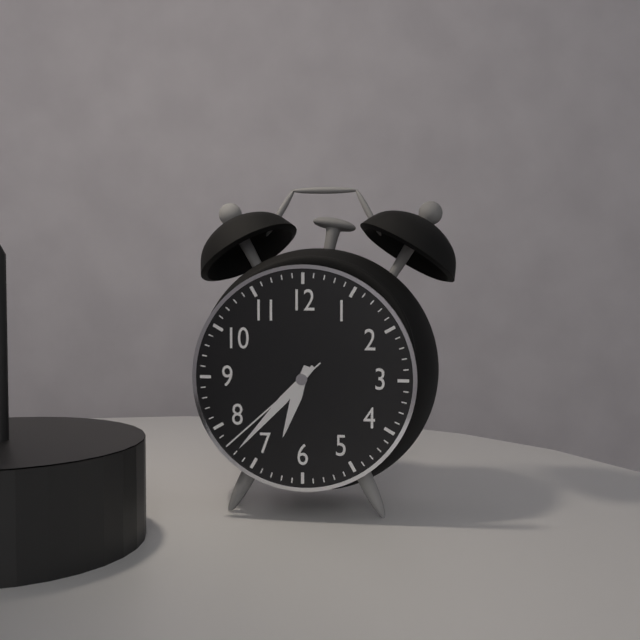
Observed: h=6 m=37 s=38
